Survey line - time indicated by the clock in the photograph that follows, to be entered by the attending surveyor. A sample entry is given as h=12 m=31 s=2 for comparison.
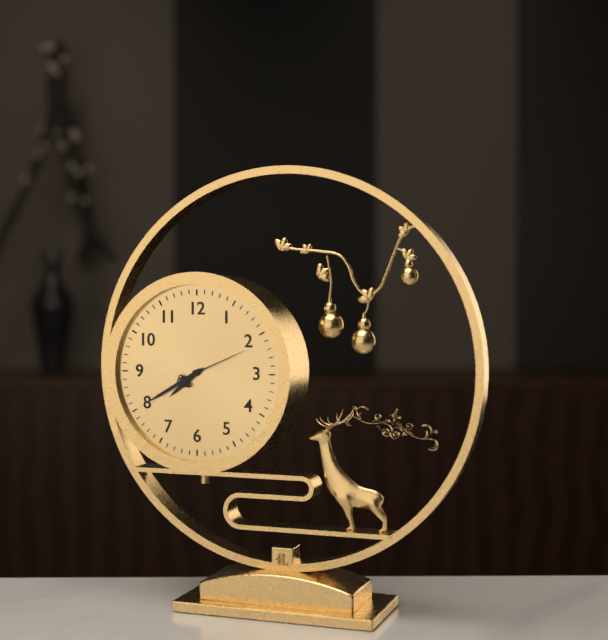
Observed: h=7 m=40 s=11
